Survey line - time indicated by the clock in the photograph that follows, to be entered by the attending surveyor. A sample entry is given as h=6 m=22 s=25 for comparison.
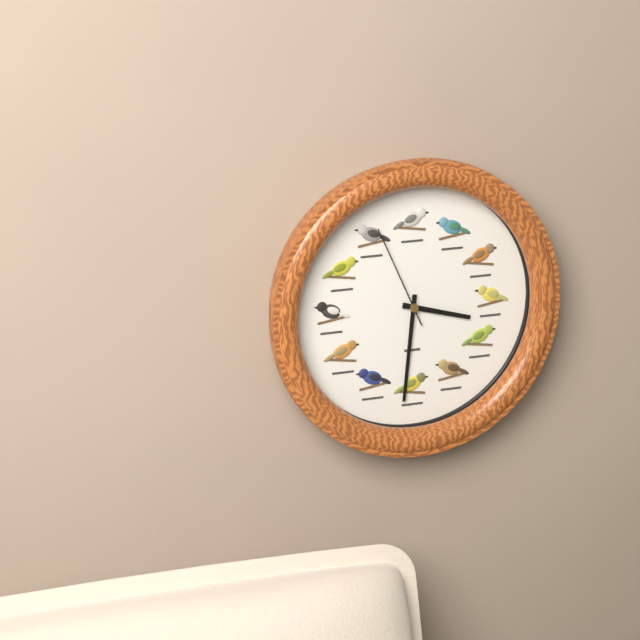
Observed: h=3 m=31 s=56
